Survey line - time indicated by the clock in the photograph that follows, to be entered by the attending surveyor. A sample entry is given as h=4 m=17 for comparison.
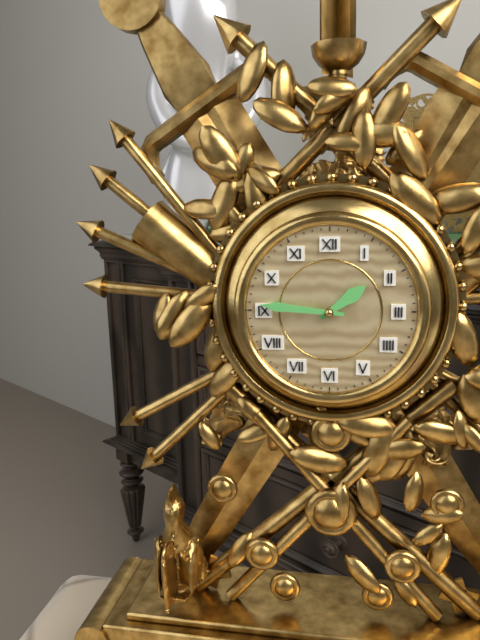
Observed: h=1 m=46
